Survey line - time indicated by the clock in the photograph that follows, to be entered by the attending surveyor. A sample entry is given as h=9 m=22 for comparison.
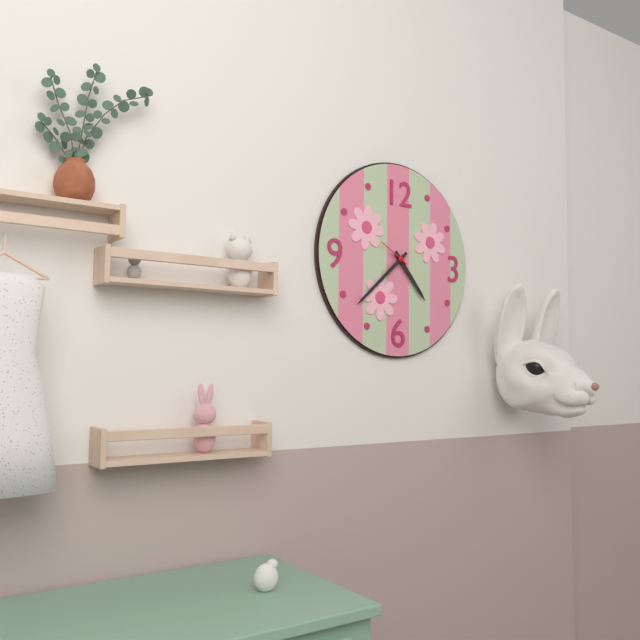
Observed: h=4 m=38
